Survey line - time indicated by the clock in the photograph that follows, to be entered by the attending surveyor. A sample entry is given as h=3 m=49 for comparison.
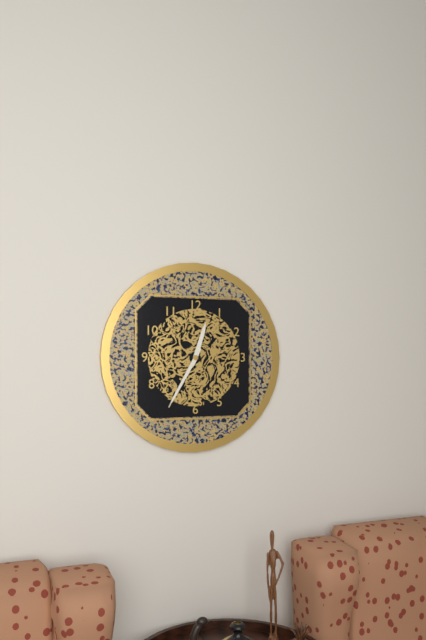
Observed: h=12 m=35
